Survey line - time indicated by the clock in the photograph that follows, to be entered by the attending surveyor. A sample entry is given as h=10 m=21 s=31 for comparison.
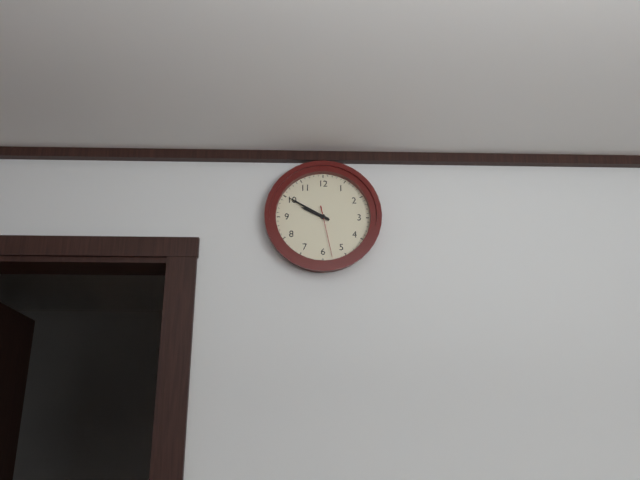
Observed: h=9 m=50 s=28
